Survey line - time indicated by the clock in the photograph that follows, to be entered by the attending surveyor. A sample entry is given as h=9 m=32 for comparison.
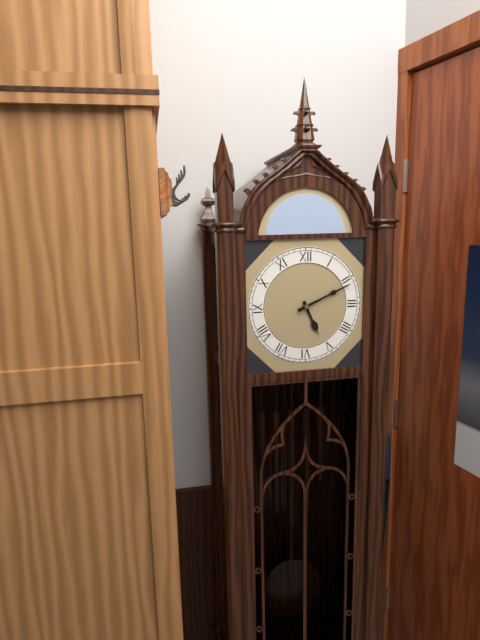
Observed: h=5 m=11
